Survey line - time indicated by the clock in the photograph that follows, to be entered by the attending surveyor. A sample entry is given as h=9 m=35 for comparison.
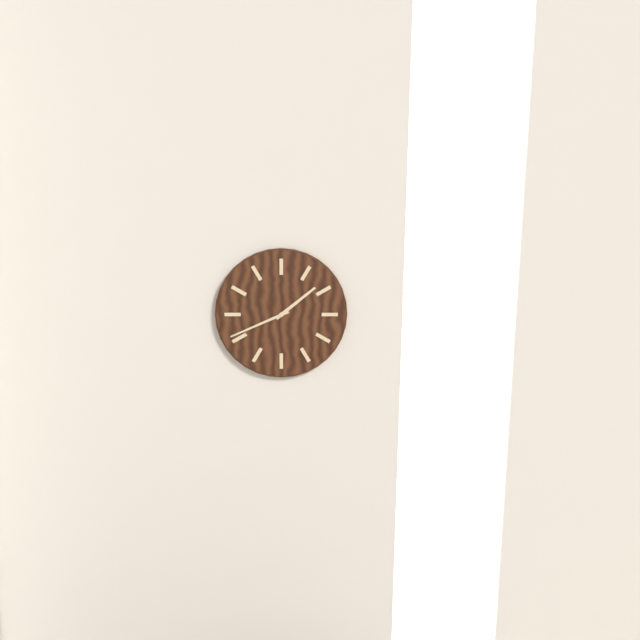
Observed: h=1 m=41
